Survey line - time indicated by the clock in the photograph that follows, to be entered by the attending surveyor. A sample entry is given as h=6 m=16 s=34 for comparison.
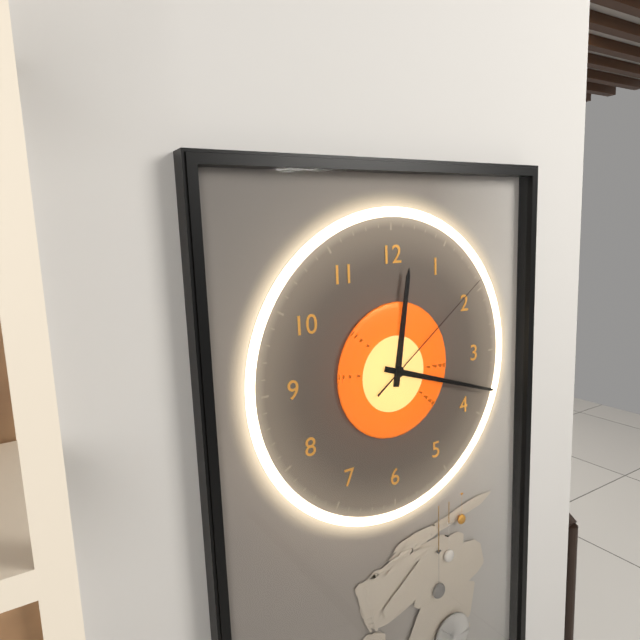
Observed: h=12 m=18 s=9
